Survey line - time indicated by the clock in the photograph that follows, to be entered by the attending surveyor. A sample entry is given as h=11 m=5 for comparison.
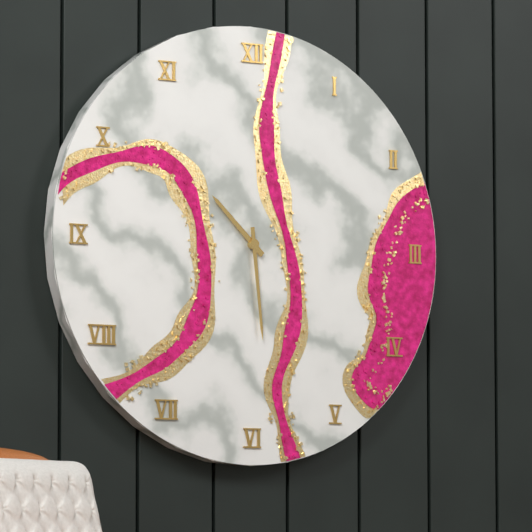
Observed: h=10 m=29
